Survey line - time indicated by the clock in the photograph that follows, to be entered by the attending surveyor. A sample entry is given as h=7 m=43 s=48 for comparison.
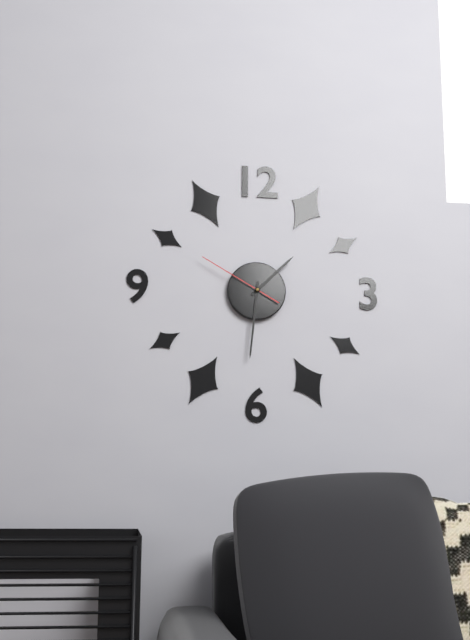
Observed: h=1 m=31 s=50
